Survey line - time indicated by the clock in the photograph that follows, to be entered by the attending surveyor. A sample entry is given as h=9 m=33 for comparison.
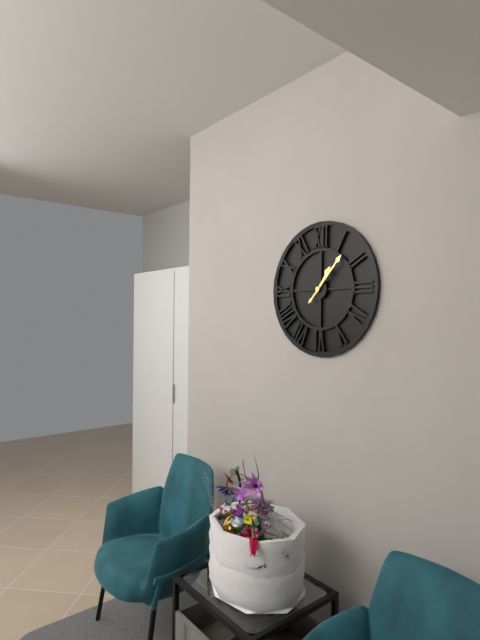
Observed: h=1 m=7
